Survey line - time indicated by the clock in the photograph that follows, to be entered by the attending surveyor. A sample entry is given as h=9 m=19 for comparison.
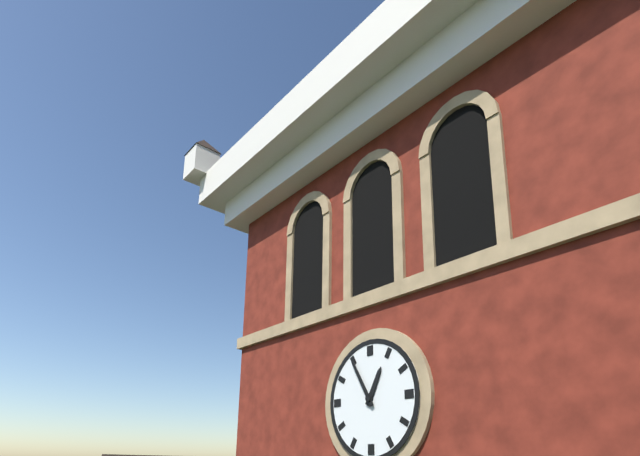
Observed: h=12 m=55
